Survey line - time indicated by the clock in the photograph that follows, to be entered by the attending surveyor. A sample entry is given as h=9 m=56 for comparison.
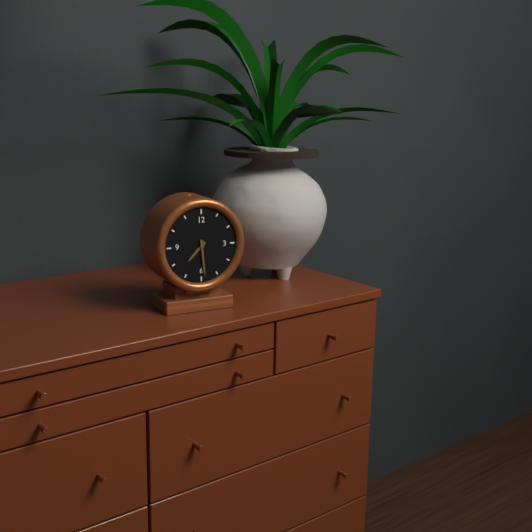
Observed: h=7 m=29
